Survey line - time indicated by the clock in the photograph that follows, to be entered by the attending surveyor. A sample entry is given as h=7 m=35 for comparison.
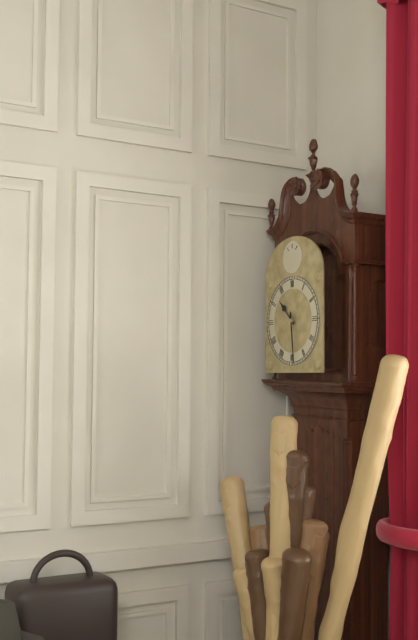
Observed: h=10 m=29
